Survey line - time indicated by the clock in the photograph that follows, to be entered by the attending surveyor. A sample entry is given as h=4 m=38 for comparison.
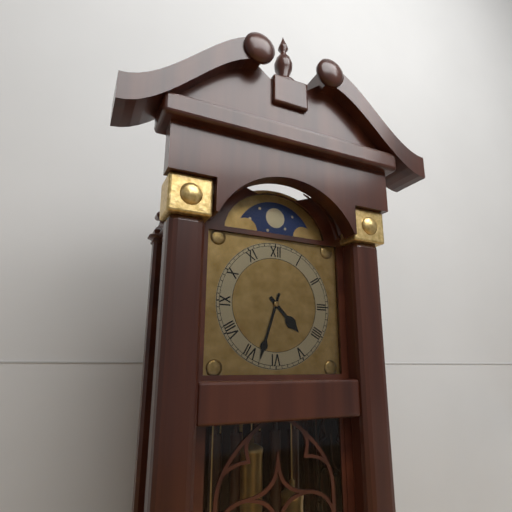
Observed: h=4 m=33
